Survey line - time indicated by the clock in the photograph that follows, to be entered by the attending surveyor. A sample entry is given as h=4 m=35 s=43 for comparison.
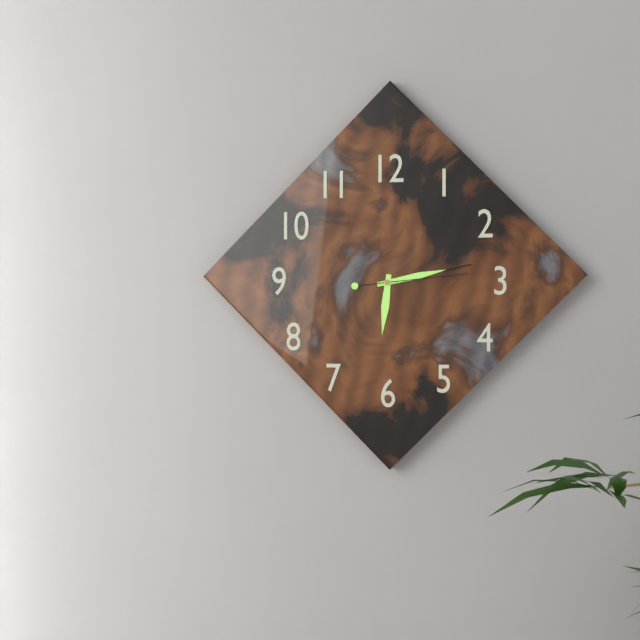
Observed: h=6 m=13 s=14
